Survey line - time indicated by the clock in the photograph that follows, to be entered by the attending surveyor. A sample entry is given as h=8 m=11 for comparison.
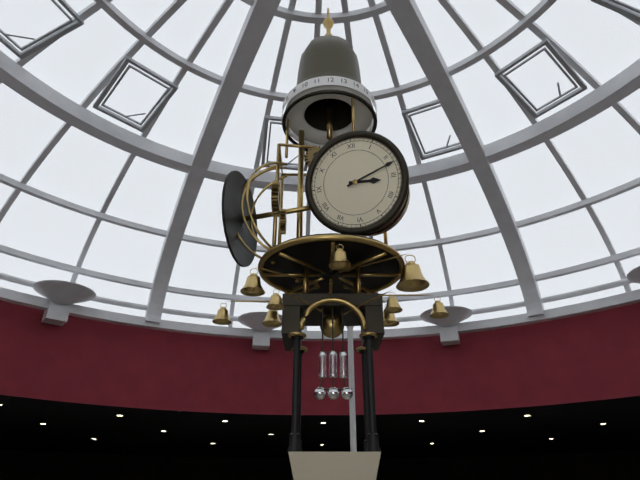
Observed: h=3 m=12
